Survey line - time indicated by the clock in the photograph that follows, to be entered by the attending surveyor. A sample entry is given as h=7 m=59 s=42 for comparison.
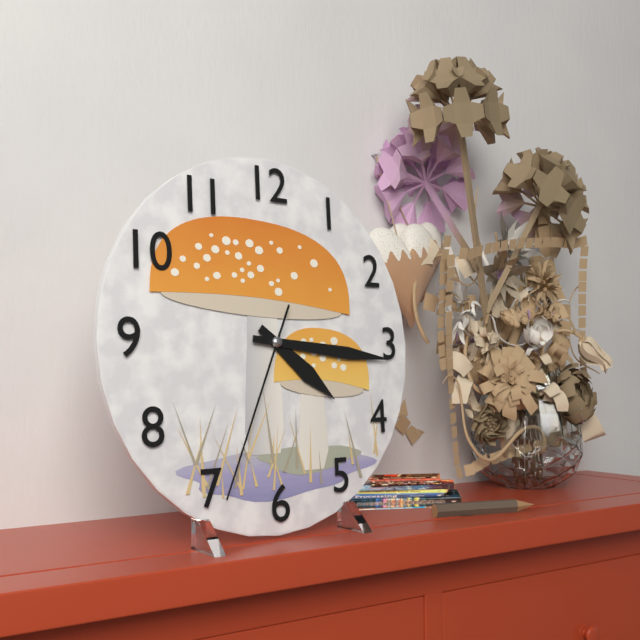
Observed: h=4 m=16 s=34
